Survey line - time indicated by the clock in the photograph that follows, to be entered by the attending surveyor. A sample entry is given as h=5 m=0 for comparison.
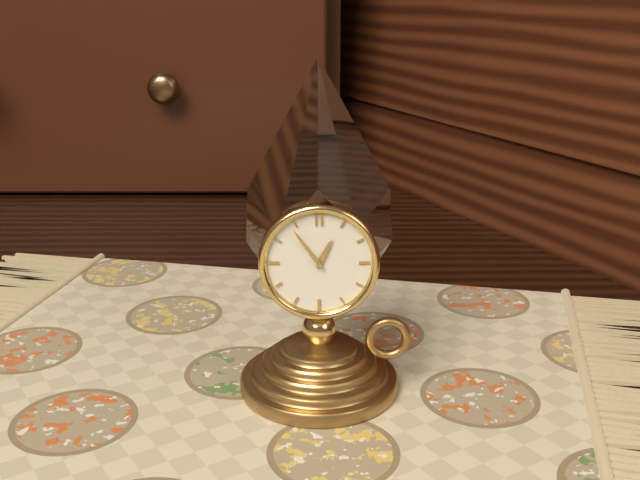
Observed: h=12 m=54
